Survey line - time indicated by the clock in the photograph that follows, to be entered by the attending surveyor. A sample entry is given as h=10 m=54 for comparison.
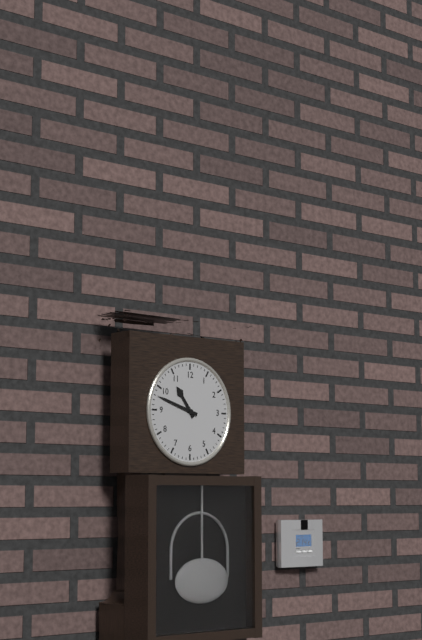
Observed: h=10 m=48
